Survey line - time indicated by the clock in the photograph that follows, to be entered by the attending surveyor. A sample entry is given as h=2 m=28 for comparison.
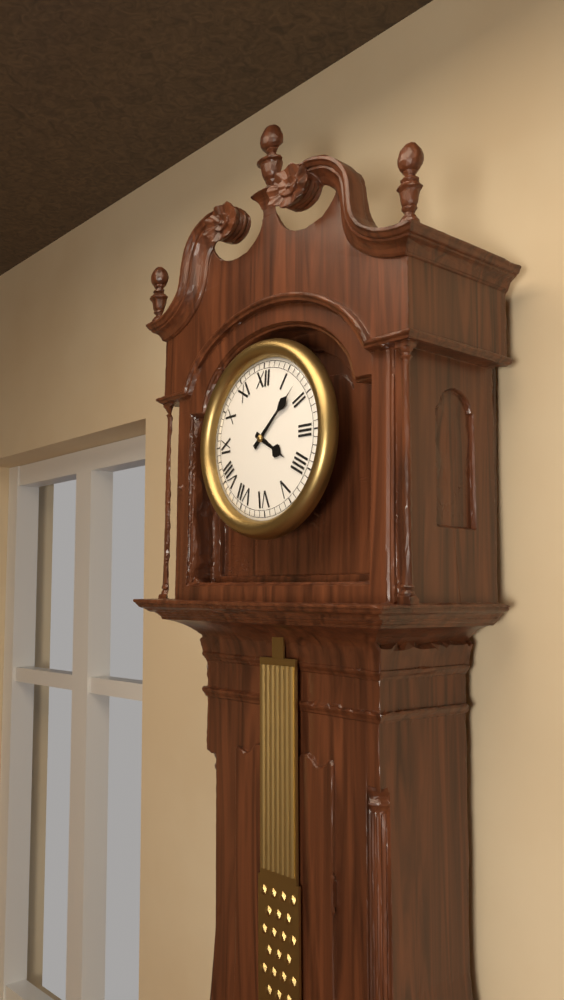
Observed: h=4 m=8
